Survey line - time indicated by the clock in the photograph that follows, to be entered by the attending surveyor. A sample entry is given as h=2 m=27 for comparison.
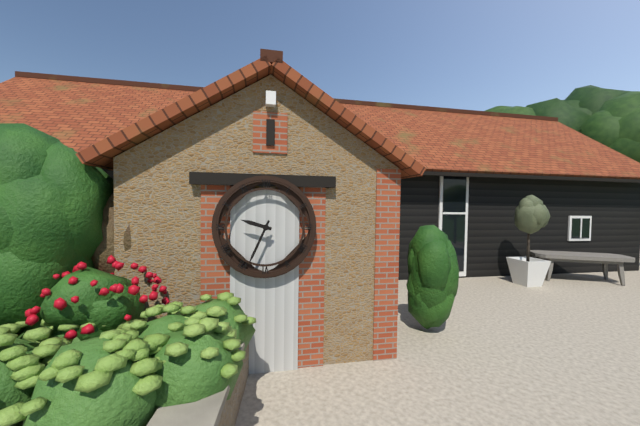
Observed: h=9 m=34
